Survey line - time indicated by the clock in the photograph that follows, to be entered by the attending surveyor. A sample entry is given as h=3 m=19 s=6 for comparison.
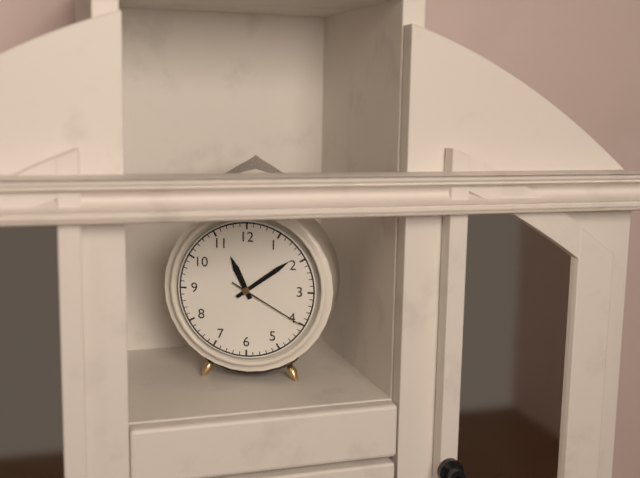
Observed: h=11 m=9 s=20
